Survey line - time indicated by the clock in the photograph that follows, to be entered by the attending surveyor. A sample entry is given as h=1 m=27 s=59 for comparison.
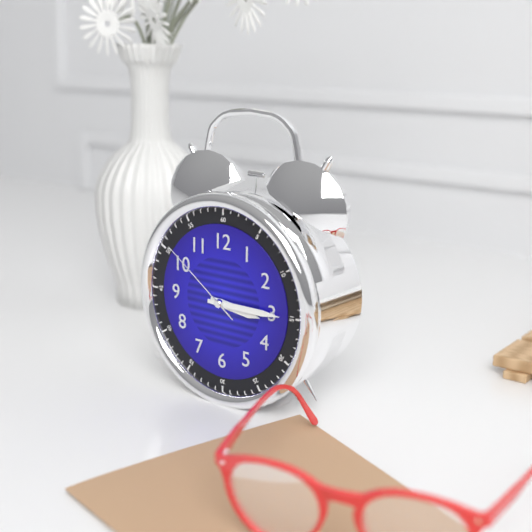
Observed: h=3 m=15 s=51
